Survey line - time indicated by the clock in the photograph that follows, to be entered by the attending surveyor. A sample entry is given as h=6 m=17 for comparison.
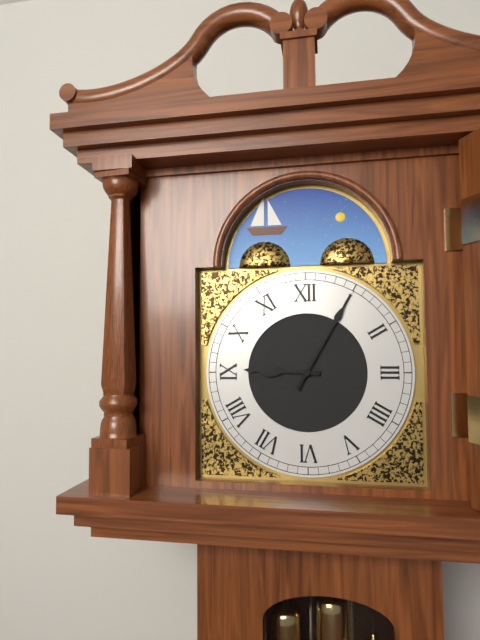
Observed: h=9 m=5
